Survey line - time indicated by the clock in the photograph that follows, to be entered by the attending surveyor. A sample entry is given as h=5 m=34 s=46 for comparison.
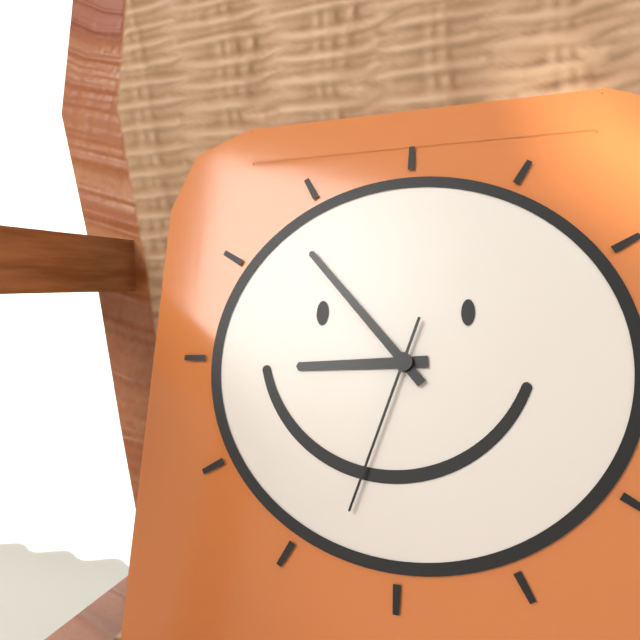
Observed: h=8 m=53 s=33
